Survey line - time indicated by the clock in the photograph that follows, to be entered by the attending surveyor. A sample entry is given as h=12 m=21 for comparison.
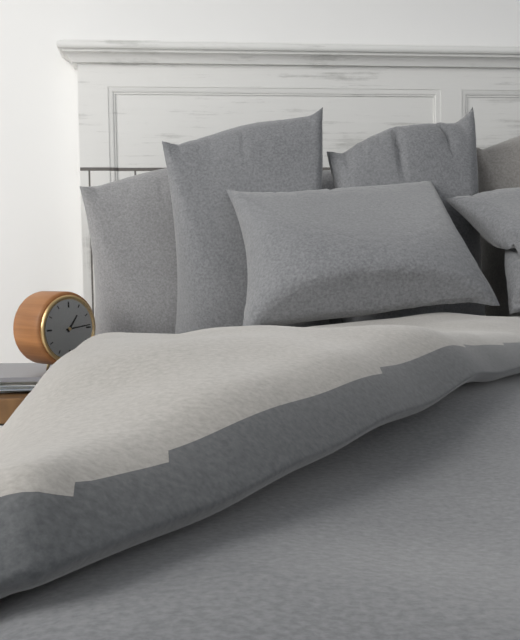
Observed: h=1 m=14
